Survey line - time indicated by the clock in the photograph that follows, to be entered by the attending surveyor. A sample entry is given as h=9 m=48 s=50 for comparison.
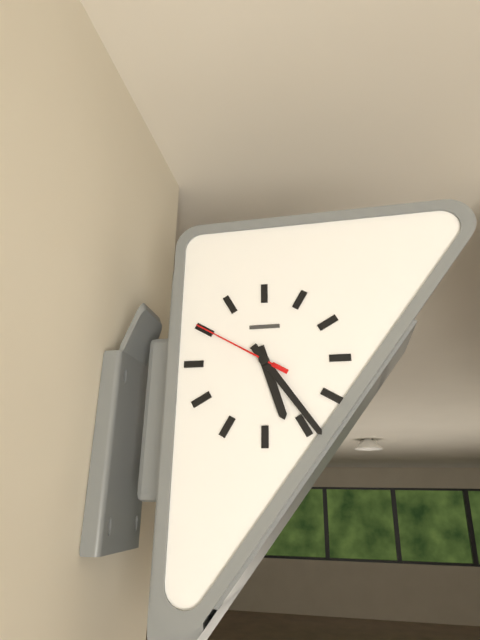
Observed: h=5 m=24 s=50
